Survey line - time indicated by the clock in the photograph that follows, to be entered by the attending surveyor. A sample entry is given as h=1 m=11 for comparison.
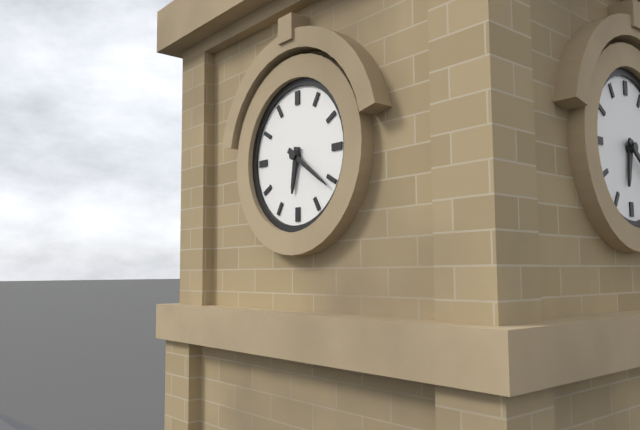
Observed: h=6 m=21
